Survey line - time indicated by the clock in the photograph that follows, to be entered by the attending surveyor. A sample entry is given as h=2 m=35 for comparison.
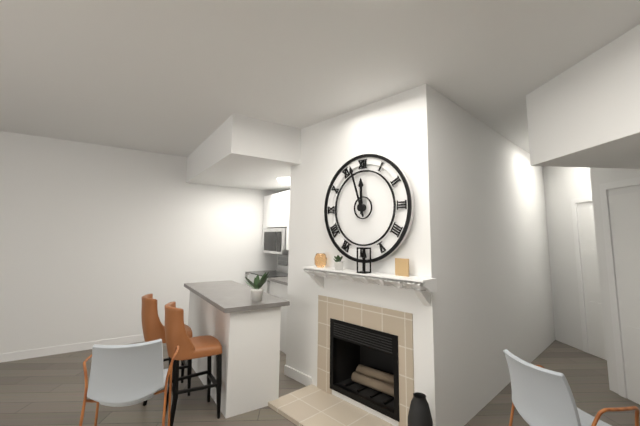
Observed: h=11 m=57
